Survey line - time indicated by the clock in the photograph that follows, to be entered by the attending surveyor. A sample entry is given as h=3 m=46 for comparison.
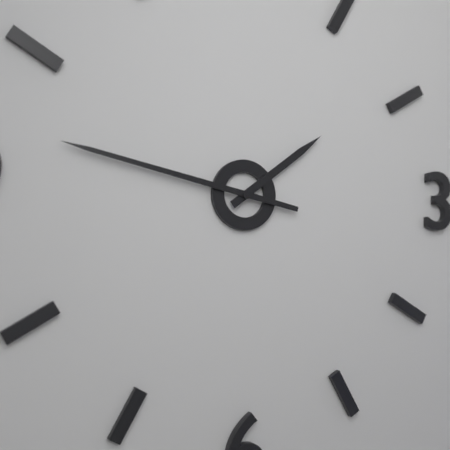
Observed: h=1 m=47
